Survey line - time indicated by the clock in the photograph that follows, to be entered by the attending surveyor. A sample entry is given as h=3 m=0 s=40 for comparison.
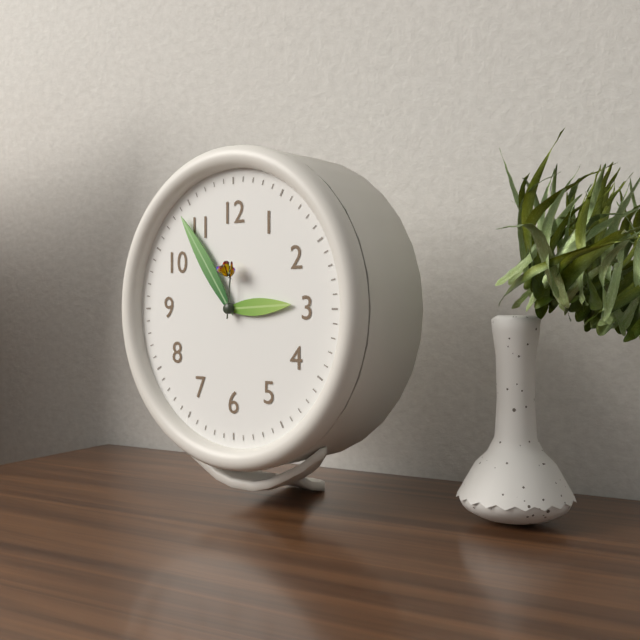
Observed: h=2 m=54 s=1
